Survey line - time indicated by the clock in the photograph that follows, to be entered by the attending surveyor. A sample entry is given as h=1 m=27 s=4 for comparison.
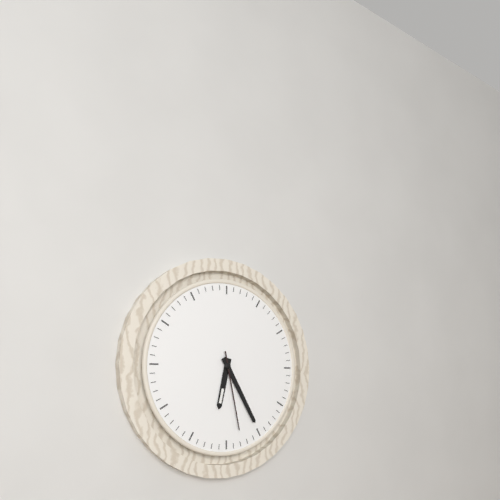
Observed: h=6 m=25 s=28
